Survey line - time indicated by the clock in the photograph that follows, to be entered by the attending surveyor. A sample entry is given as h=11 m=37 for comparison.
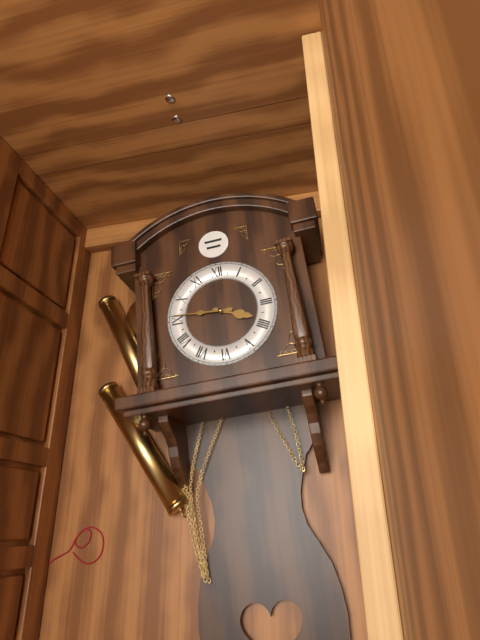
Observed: h=3 m=46
